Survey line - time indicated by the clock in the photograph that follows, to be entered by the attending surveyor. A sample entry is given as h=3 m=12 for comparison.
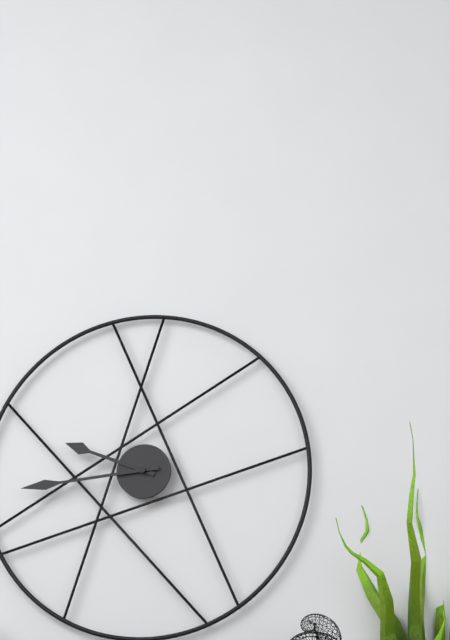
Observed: h=9 m=44
